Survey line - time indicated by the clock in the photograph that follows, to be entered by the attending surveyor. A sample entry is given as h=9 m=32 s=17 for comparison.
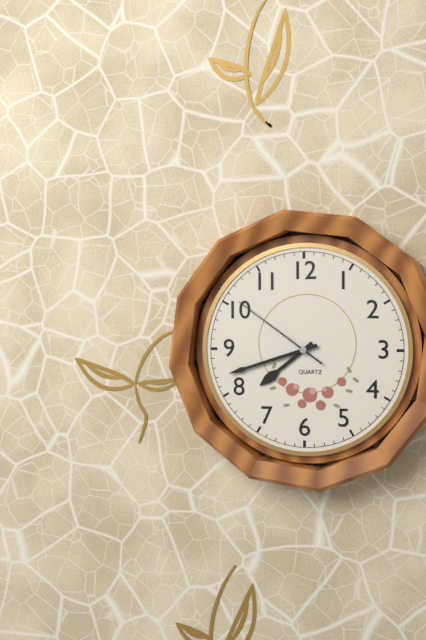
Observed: h=7 m=42 s=51
